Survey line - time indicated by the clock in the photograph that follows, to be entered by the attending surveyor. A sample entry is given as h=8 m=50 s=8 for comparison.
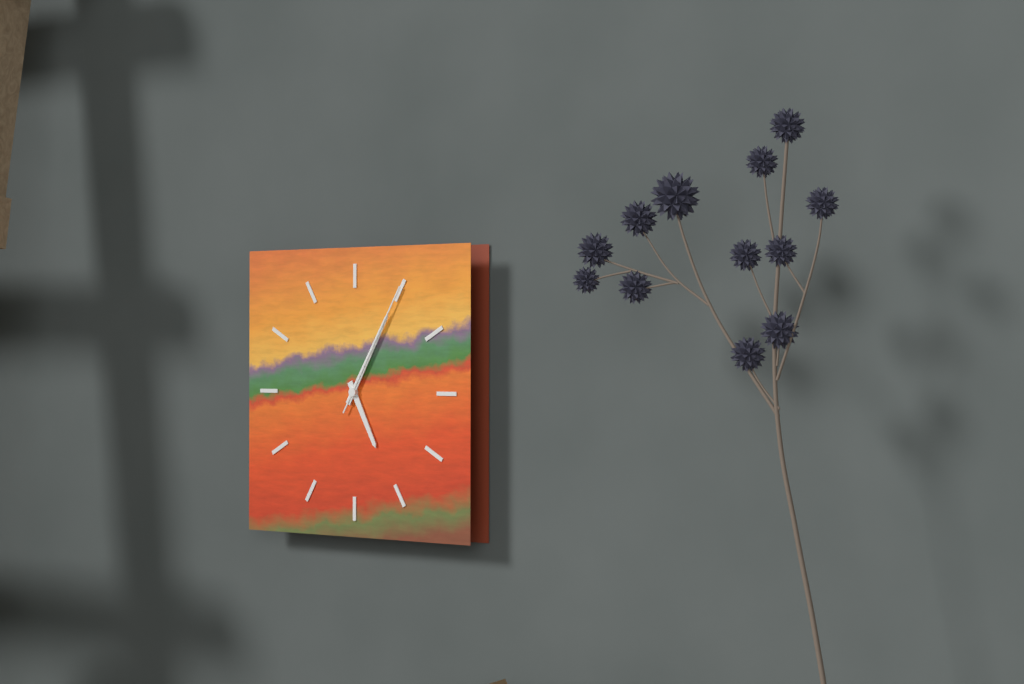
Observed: h=5 m=5 s=5
